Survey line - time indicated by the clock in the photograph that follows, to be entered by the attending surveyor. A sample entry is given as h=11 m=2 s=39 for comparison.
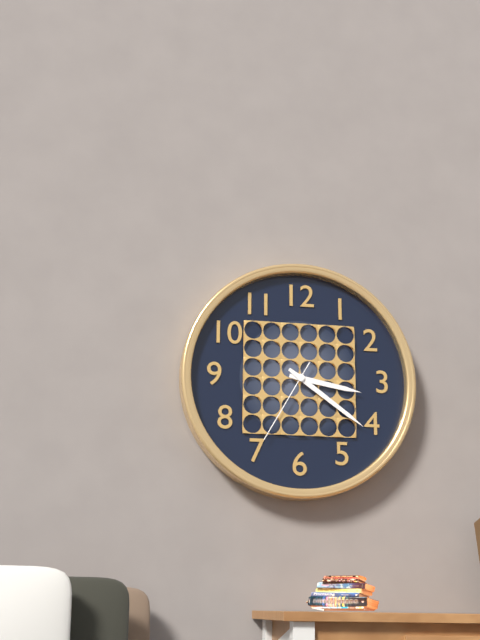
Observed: h=3 m=21 s=35
